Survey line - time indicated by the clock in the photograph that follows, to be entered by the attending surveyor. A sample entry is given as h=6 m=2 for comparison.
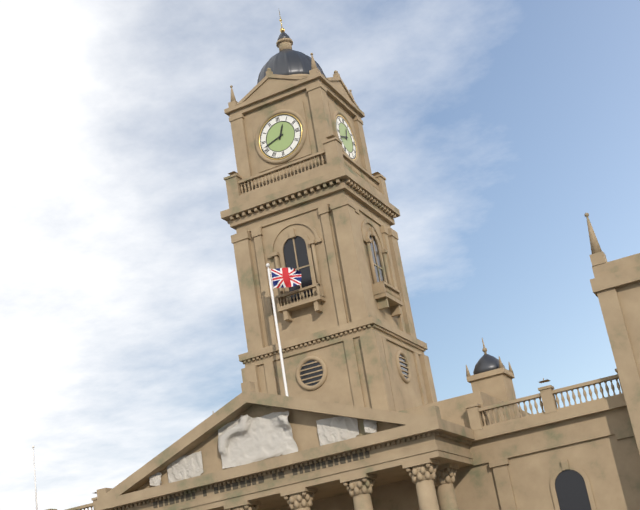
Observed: h=12 m=42
